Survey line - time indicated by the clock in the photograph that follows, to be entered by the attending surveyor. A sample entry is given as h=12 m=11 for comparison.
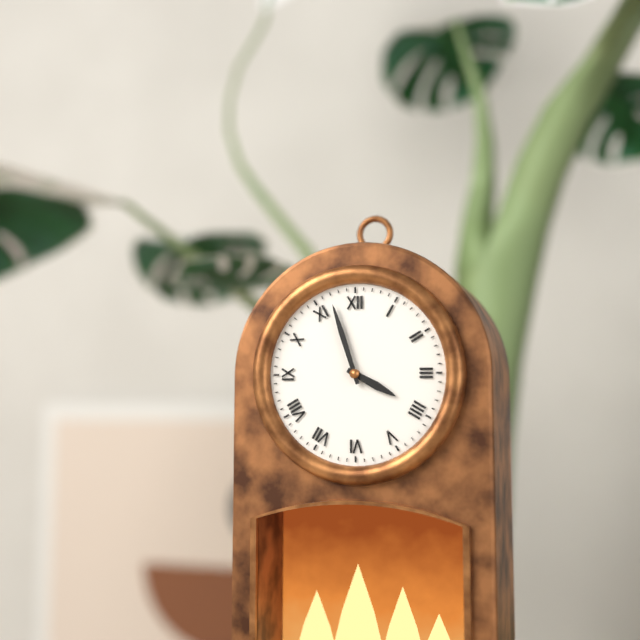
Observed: h=3 m=57
